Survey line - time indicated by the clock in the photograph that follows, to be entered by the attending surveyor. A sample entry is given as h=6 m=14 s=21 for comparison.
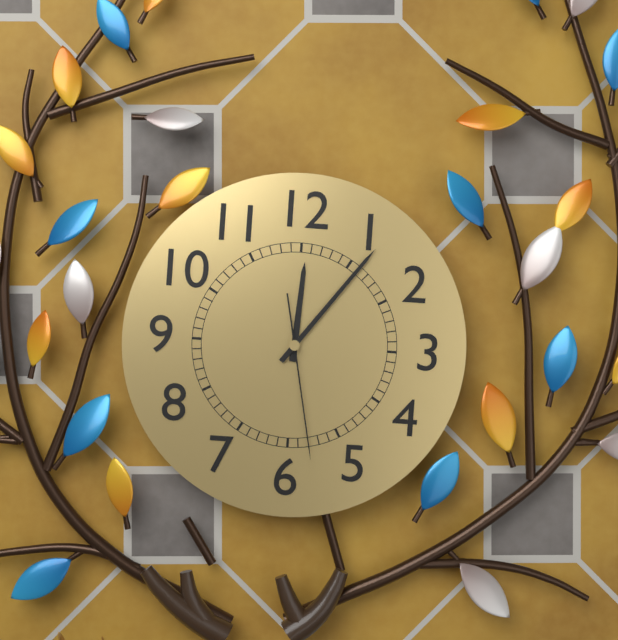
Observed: h=12 m=6 s=28
